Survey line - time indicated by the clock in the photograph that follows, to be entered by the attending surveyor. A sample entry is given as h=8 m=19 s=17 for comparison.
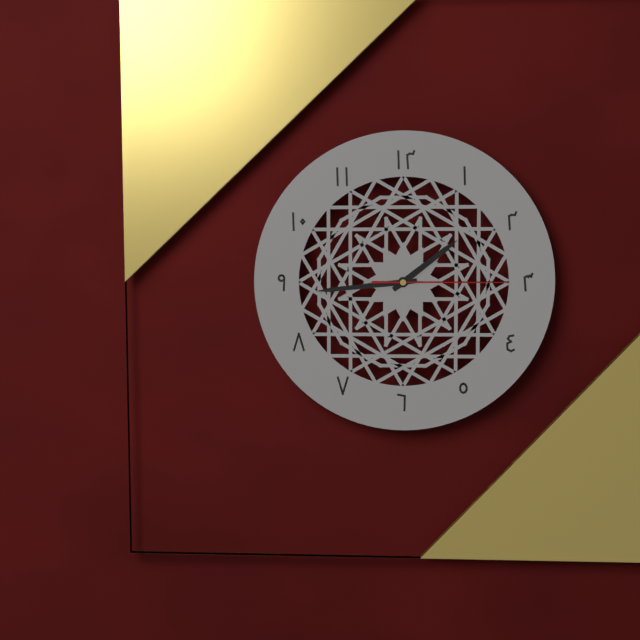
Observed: h=1 m=44 s=15
